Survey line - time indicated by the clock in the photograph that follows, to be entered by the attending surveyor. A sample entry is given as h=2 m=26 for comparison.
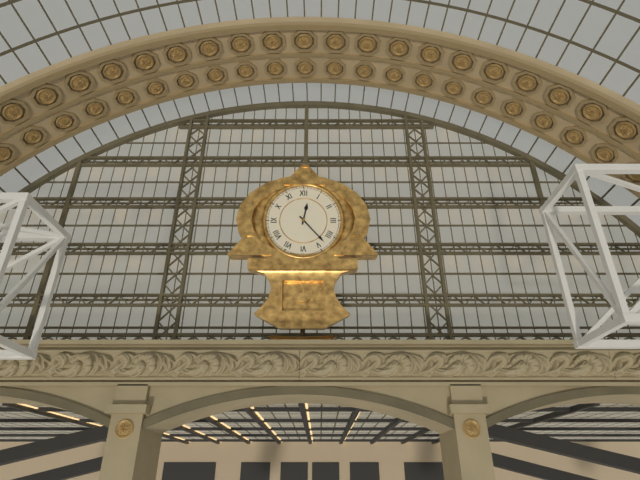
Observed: h=12 m=23
